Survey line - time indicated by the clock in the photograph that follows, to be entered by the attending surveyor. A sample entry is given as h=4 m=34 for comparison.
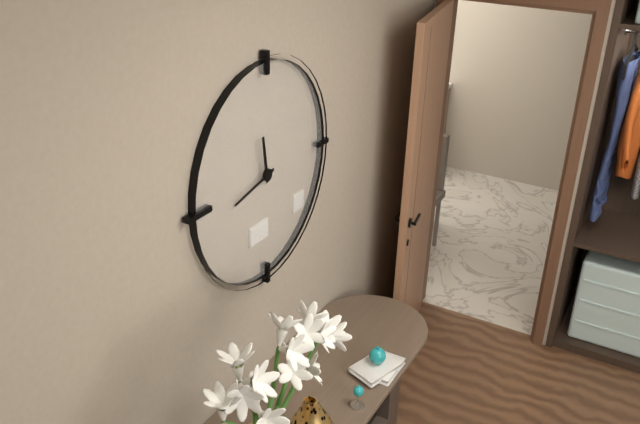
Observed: h=11 m=43
